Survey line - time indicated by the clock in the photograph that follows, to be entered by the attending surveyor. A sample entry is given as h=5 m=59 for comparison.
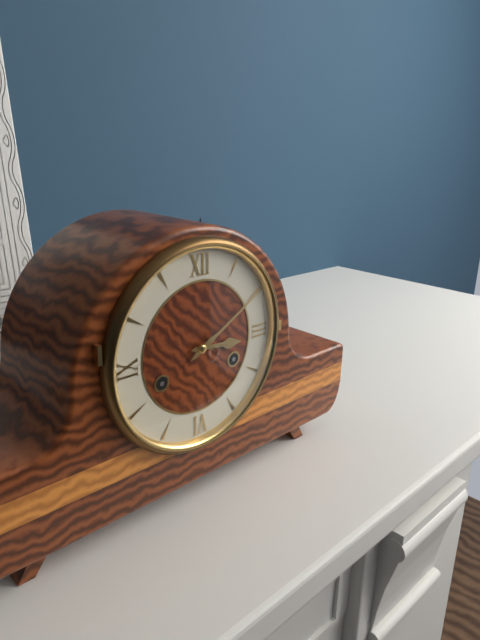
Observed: h=3 m=10
